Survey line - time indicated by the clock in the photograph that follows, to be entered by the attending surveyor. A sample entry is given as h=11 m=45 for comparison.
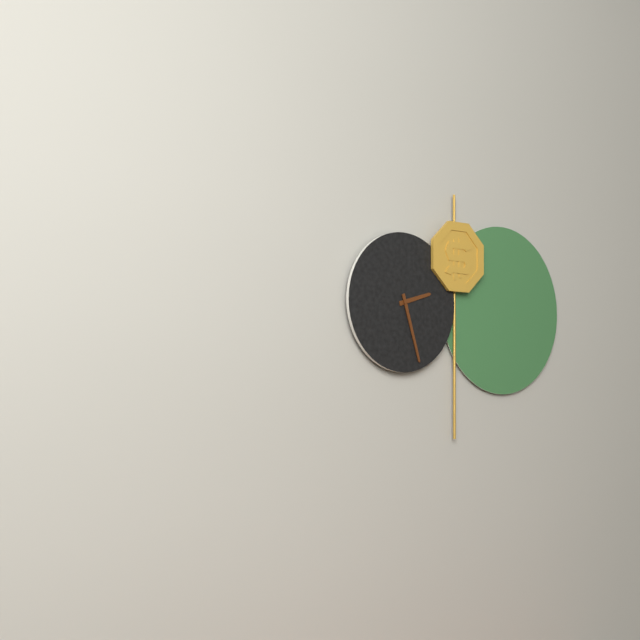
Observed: h=2 m=27
